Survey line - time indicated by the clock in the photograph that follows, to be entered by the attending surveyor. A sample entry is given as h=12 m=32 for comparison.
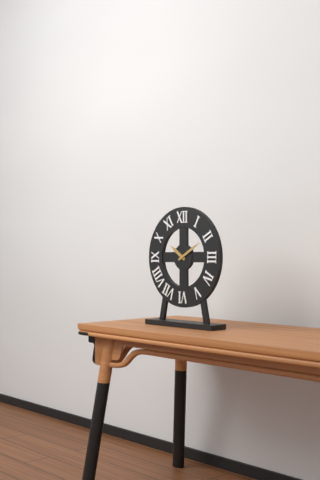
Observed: h=10 m=10
